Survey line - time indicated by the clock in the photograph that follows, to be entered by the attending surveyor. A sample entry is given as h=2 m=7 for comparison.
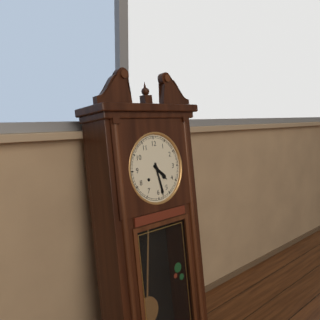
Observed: h=4 m=28
